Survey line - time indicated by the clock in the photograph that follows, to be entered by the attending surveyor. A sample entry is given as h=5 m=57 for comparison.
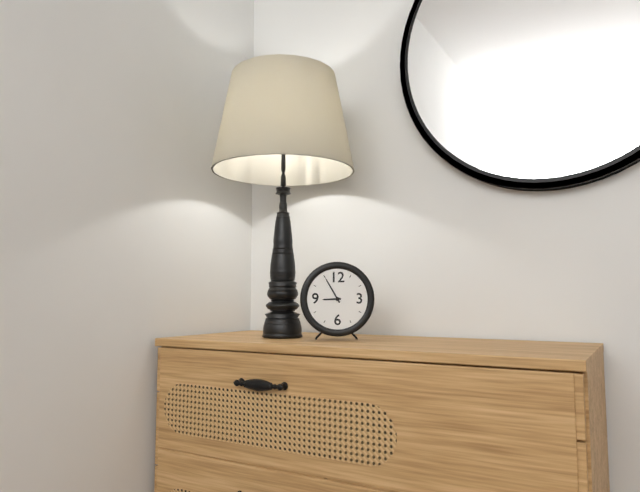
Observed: h=8 m=55
